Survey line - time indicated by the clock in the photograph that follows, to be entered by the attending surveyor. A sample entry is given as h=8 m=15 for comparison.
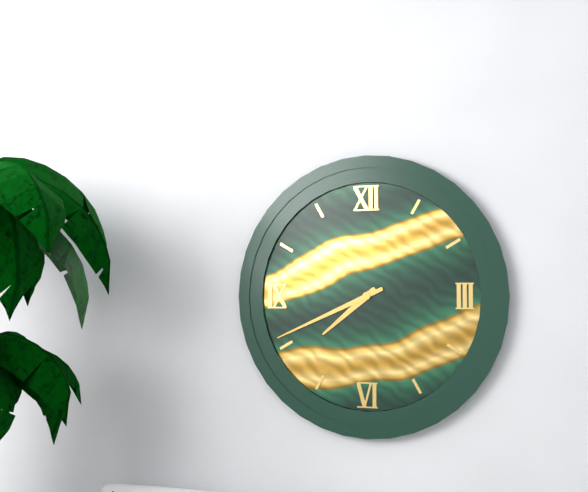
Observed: h=7 m=41
